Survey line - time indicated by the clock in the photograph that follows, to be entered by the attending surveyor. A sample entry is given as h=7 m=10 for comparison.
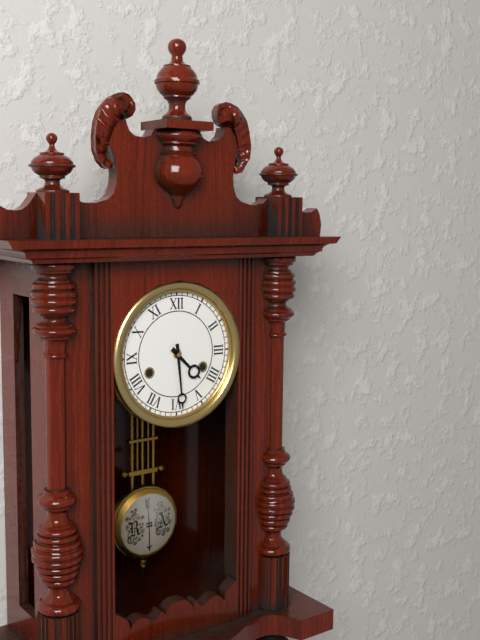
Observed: h=4 m=29
